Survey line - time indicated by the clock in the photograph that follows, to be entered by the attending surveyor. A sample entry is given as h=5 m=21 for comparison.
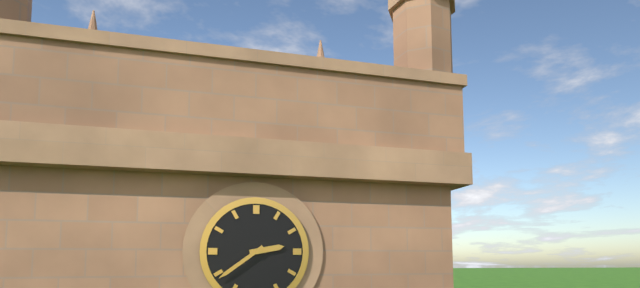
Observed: h=2 m=39
